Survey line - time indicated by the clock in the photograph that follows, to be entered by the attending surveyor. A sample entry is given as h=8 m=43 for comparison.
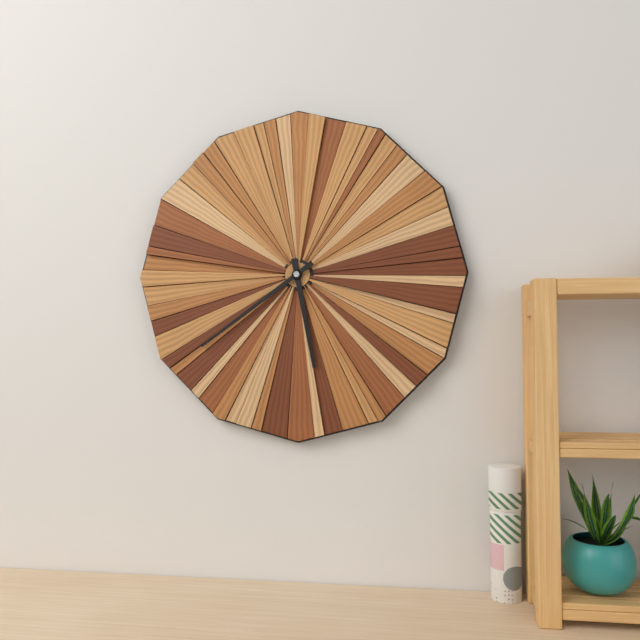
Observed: h=5 m=39
